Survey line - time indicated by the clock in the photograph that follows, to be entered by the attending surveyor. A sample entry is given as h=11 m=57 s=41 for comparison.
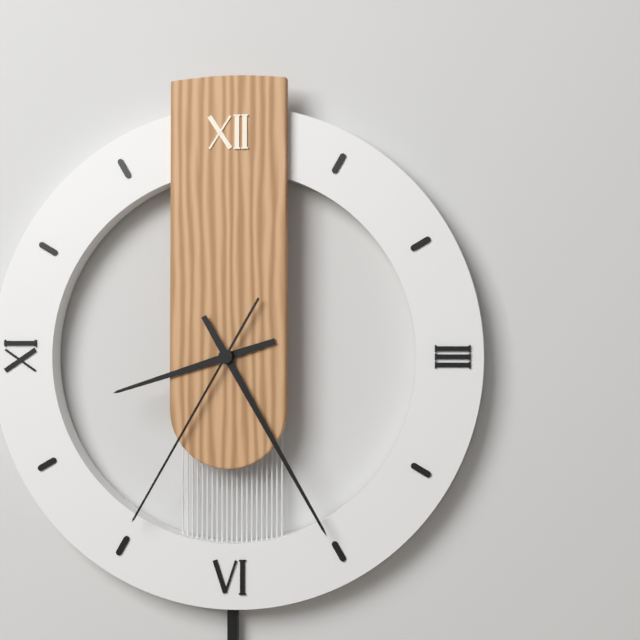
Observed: h=8 m=25 s=35
